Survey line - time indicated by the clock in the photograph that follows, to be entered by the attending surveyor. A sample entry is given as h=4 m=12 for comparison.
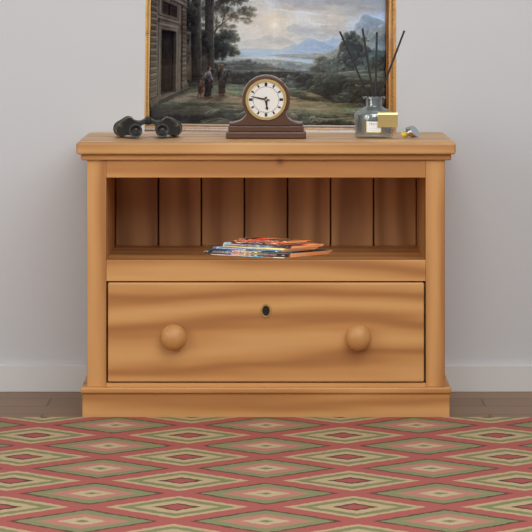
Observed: h=5 m=47
